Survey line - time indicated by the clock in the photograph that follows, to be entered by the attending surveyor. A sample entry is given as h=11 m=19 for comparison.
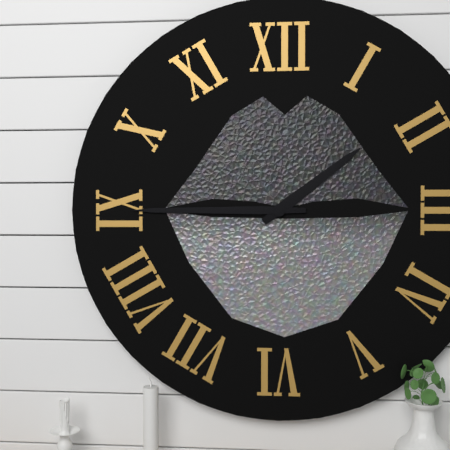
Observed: h=1 m=45
